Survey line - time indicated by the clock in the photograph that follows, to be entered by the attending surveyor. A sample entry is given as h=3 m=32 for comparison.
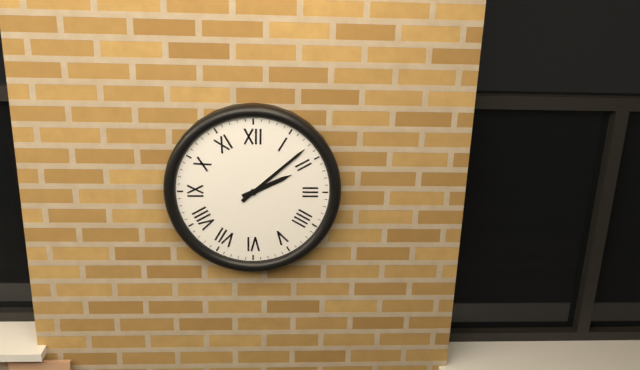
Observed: h=2 m=8
